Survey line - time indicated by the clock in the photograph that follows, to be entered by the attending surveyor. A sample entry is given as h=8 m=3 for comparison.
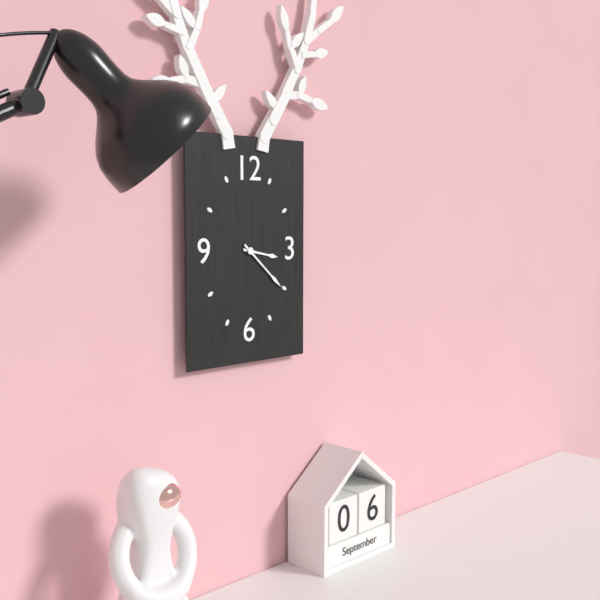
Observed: h=3 m=22
